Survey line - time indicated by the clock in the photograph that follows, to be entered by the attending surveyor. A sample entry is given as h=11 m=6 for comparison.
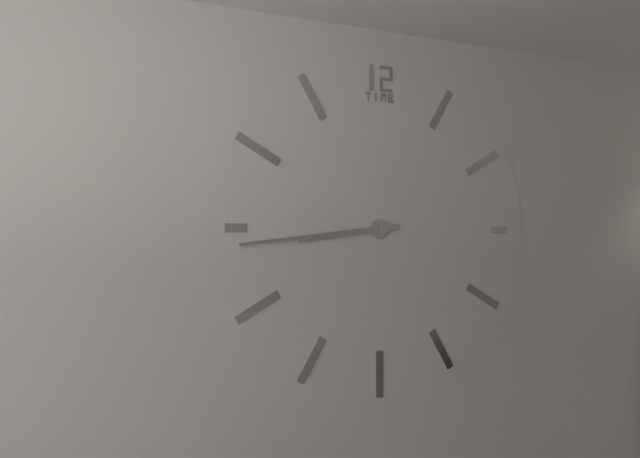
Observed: h=8 m=44
